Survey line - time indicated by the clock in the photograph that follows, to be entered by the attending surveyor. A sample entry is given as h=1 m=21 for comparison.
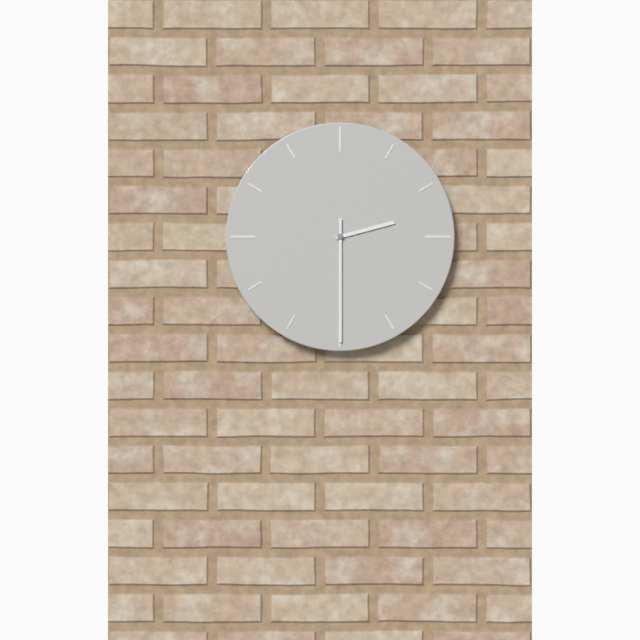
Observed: h=2 m=30
